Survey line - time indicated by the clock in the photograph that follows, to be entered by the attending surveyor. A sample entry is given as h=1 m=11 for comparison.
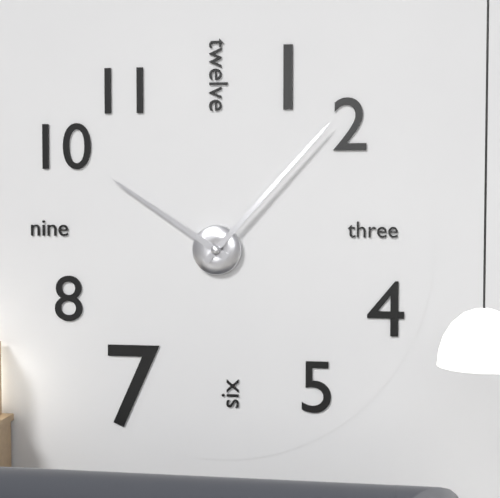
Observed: h=10 m=7
